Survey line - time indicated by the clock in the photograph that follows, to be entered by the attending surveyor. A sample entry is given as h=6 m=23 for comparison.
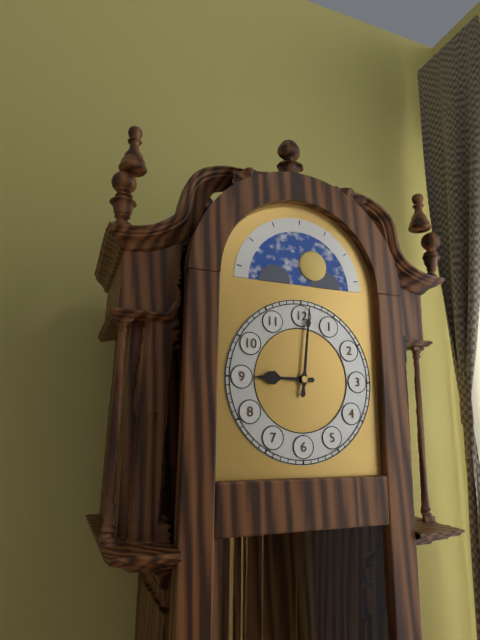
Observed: h=9 m=1
